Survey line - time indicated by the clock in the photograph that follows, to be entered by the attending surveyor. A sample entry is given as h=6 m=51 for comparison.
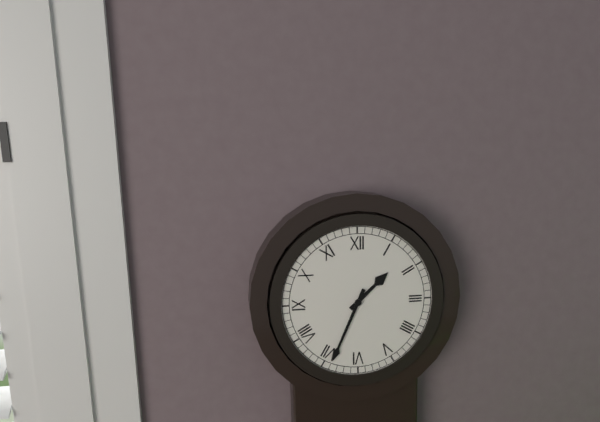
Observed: h=1 m=34
